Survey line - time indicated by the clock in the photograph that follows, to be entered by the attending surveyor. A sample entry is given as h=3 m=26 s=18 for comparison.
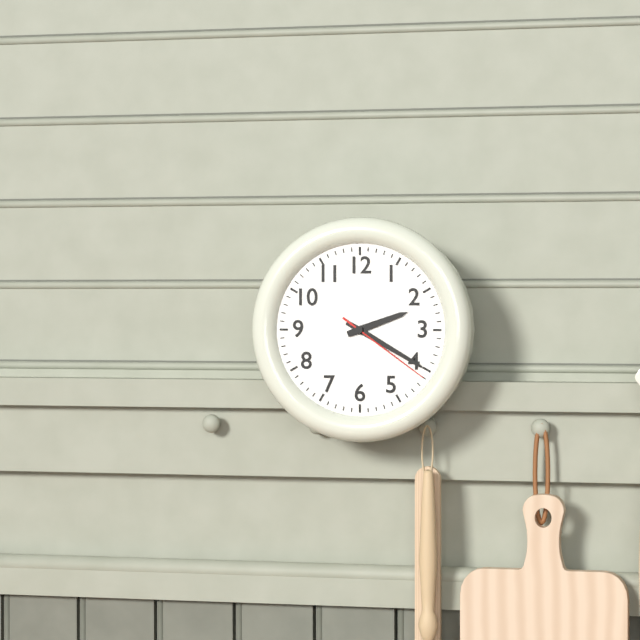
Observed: h=2 m=20 s=21
